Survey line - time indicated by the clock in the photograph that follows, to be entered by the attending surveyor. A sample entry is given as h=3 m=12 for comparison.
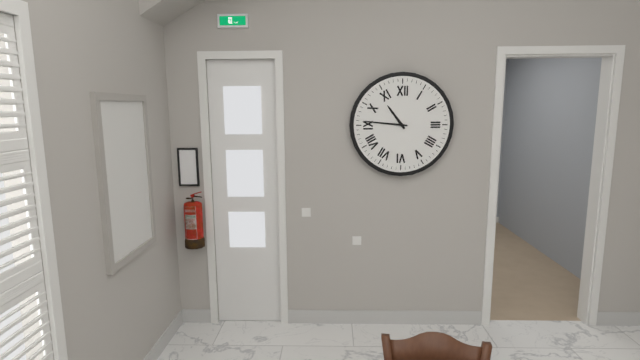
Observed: h=10 m=46
